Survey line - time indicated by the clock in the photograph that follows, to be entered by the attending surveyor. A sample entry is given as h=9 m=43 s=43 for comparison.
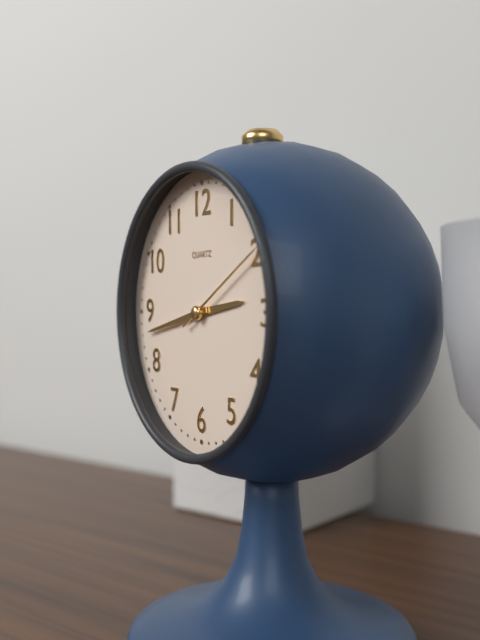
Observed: h=2 m=43 s=10
